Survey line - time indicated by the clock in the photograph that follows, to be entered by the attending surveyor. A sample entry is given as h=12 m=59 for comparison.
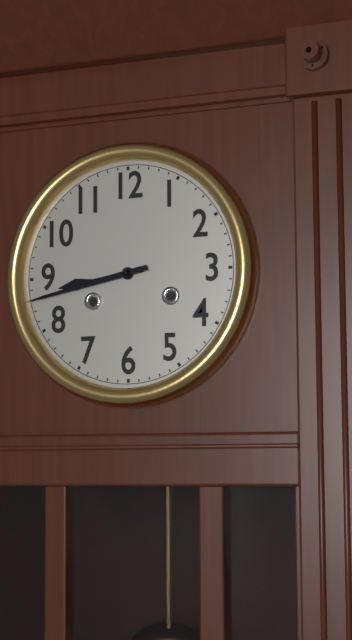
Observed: h=8 m=43
